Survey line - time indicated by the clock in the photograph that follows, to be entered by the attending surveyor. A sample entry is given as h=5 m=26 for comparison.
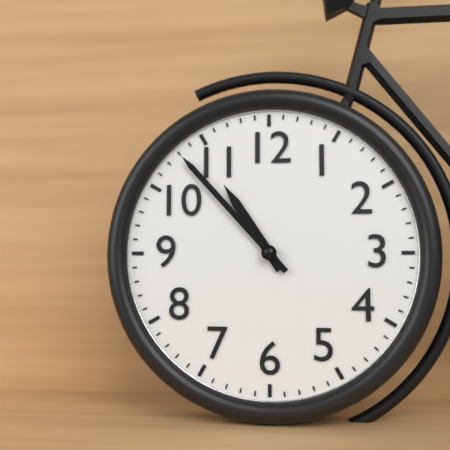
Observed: h=10 m=53
